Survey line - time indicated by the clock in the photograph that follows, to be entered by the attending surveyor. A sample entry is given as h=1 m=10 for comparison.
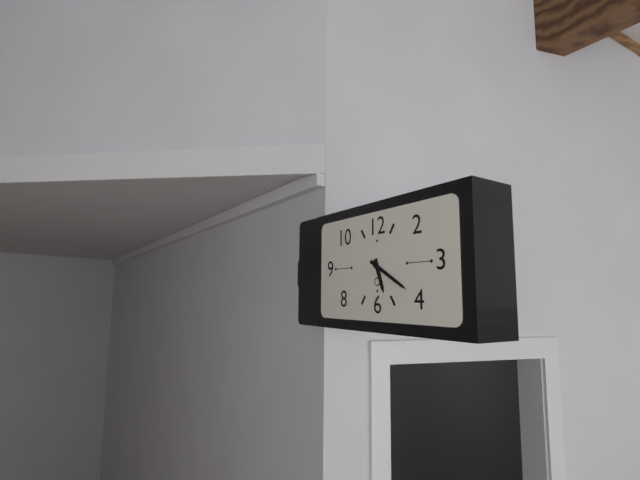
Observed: h=5 m=20
